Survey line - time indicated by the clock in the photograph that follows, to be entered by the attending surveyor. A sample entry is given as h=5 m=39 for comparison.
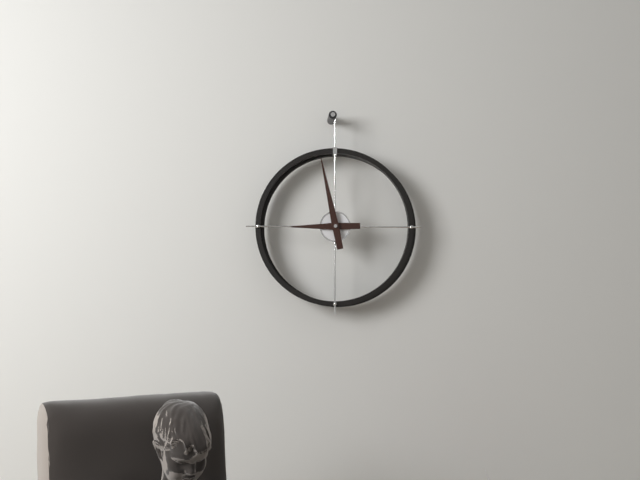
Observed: h=8 m=58
